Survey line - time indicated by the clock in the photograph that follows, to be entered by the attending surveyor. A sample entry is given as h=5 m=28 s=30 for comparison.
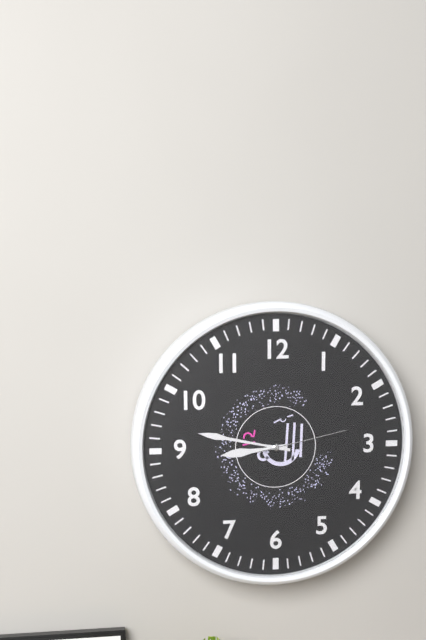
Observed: h=8 m=47 s=13
